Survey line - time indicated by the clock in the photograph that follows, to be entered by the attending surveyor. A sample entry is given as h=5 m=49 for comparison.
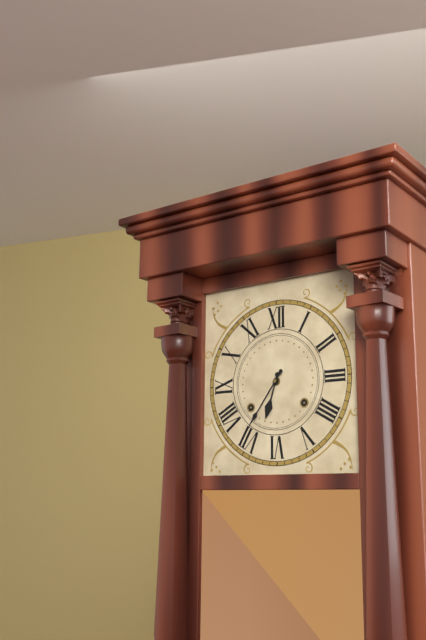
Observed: h=6 m=36
